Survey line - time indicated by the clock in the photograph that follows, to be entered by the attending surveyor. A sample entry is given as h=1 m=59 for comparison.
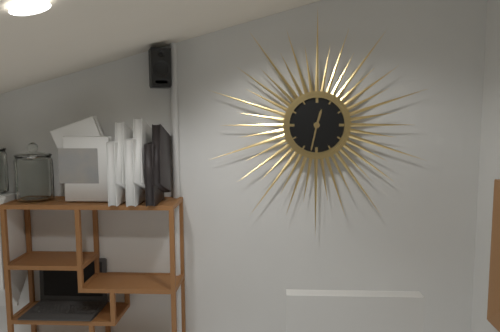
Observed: h=12 m=32
